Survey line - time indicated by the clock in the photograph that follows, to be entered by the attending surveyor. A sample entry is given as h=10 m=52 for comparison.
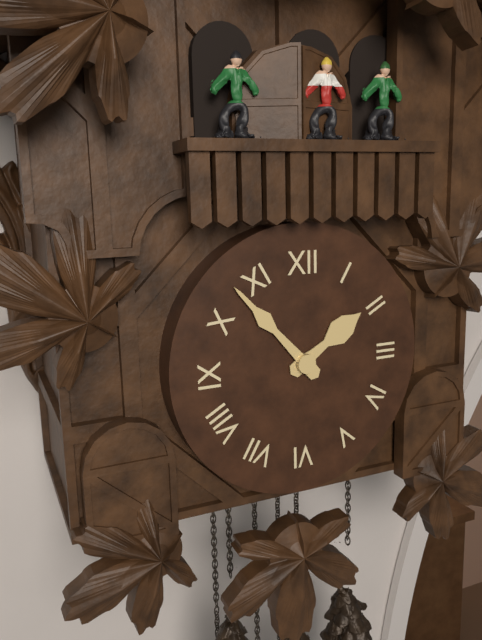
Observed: h=1 m=53
